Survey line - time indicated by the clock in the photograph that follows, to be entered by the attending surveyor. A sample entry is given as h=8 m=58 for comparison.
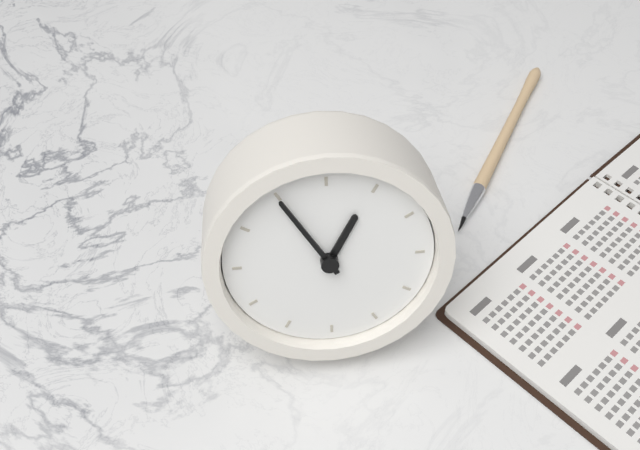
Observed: h=12 m=55
